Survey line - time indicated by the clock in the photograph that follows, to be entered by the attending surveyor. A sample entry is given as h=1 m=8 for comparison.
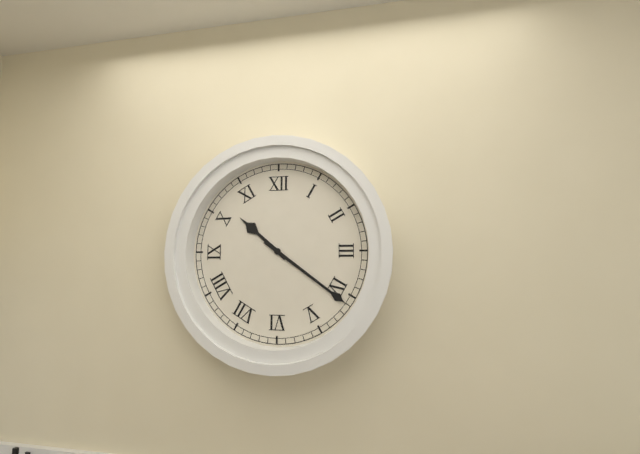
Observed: h=10 m=21
